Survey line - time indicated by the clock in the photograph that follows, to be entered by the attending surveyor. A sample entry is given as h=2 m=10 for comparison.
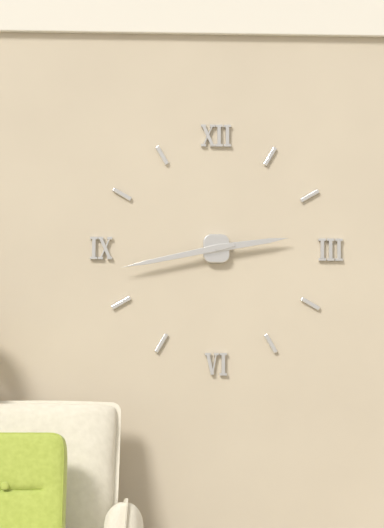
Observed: h=2 m=43
